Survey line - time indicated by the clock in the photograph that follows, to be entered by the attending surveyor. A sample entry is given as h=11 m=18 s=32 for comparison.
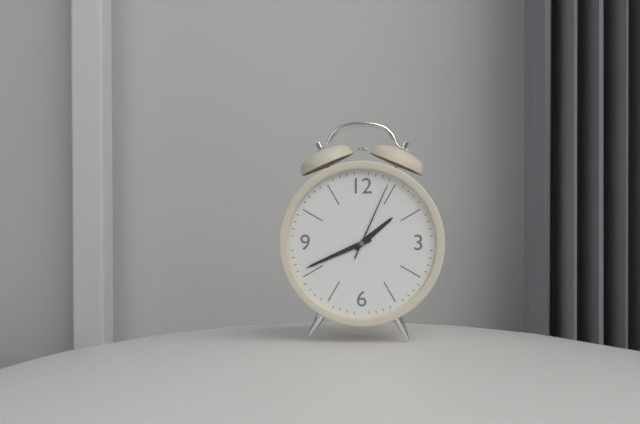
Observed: h=1 m=41 s=4
